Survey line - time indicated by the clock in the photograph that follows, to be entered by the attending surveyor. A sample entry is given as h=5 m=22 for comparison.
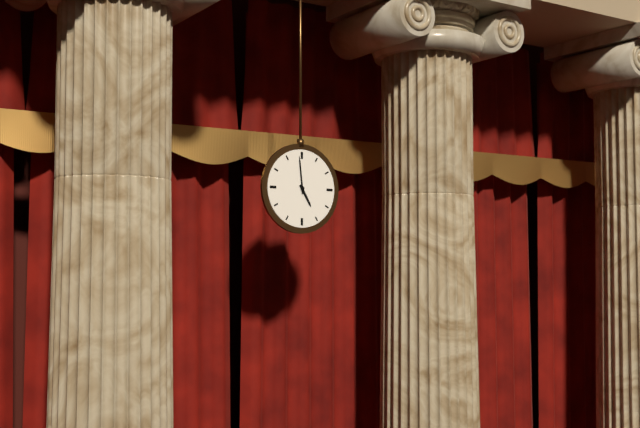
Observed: h=4 m=59
